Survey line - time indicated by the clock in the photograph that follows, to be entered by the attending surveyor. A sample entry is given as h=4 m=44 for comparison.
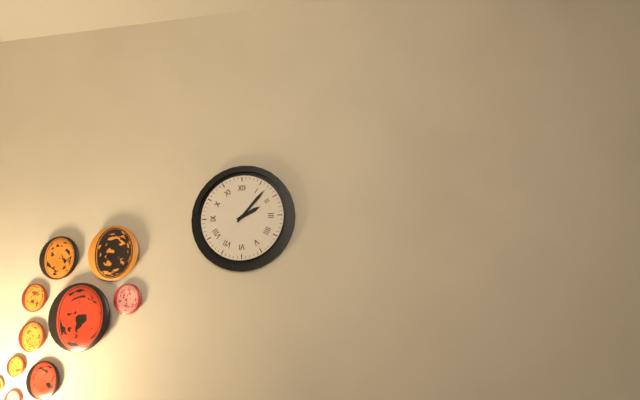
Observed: h=2 m=7
